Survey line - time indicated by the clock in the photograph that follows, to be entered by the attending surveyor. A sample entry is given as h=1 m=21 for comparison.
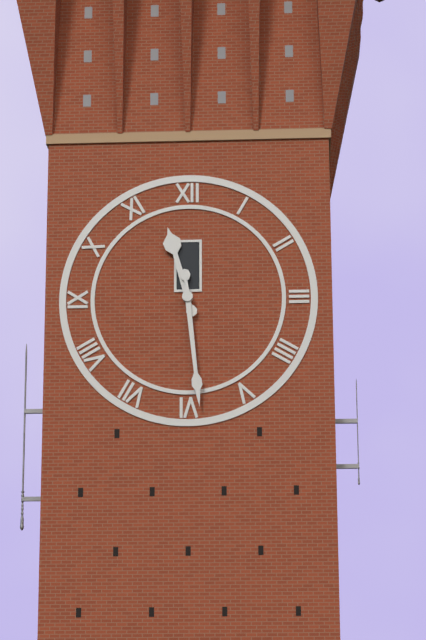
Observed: h=11 m=29
